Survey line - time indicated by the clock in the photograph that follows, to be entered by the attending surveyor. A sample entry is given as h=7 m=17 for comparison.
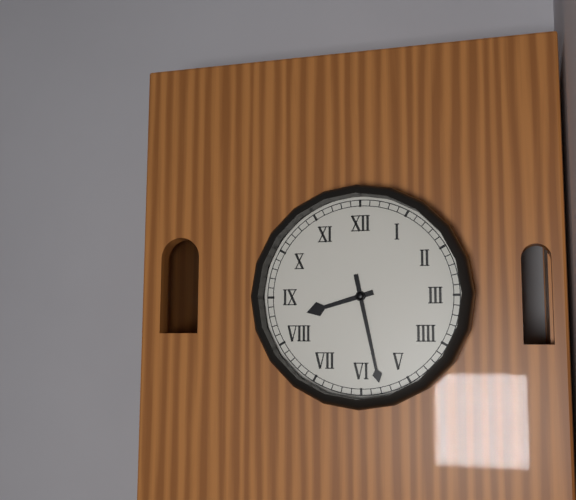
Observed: h=8 m=28
